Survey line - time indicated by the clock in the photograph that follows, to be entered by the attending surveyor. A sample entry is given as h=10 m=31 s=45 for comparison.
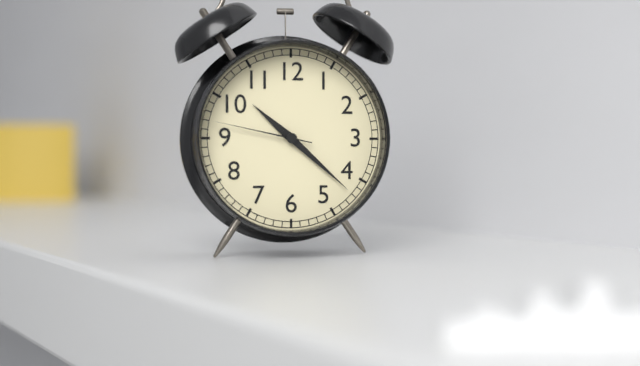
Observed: h=10 m=22 s=47
